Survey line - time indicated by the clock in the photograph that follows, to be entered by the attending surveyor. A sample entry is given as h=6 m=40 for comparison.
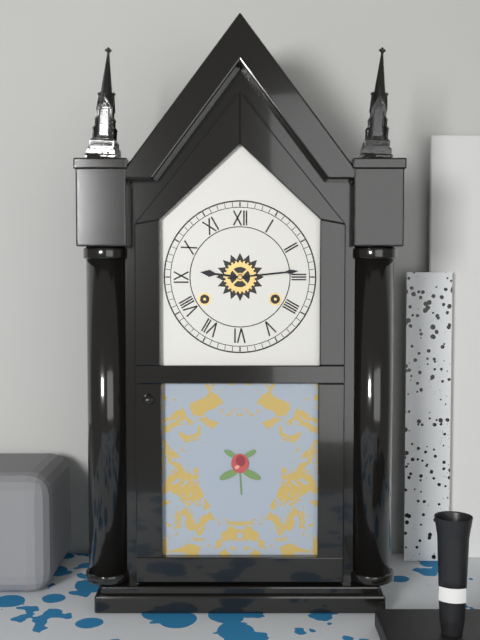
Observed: h=9 m=14
